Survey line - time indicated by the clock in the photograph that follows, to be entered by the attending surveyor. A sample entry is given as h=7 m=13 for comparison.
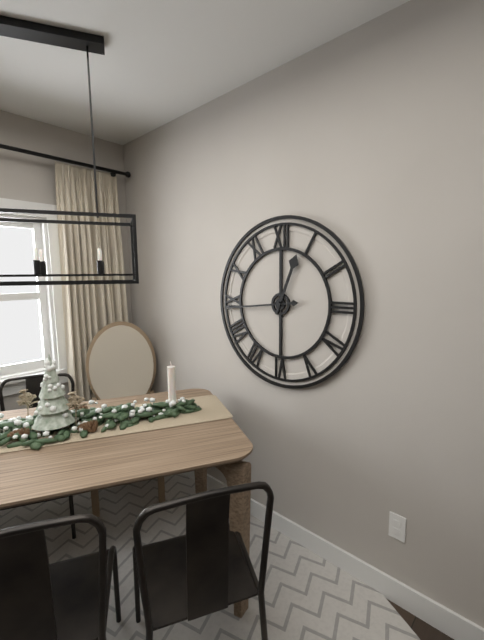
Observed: h=12 m=44
